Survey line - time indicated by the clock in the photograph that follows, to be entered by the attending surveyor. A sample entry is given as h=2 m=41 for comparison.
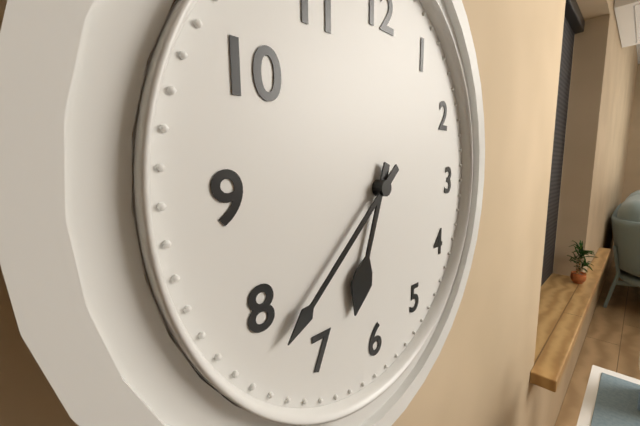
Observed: h=6 m=38
